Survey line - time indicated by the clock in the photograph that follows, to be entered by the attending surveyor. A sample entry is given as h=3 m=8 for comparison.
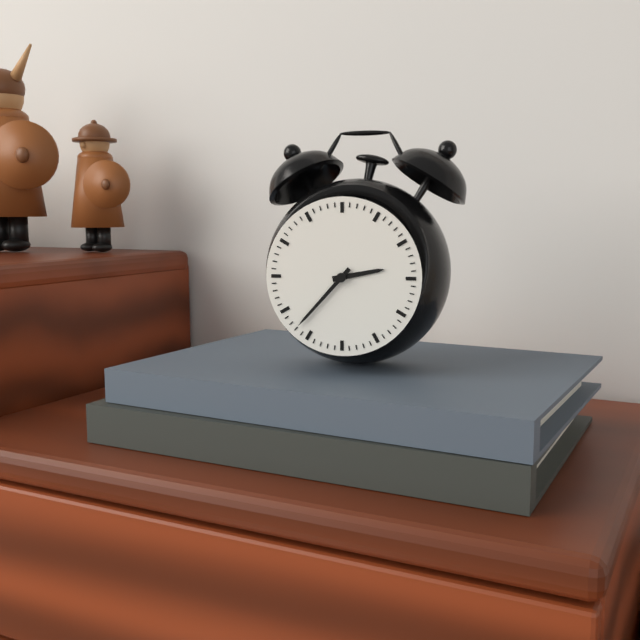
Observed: h=2 m=37
